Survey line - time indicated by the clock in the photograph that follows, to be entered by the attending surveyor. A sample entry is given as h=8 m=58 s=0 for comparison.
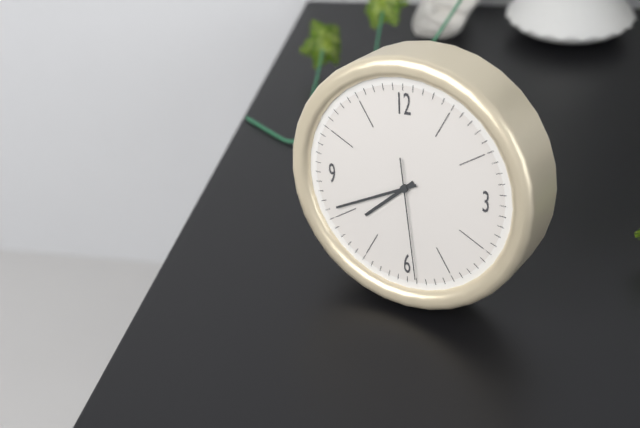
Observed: h=7 m=41 s=29
